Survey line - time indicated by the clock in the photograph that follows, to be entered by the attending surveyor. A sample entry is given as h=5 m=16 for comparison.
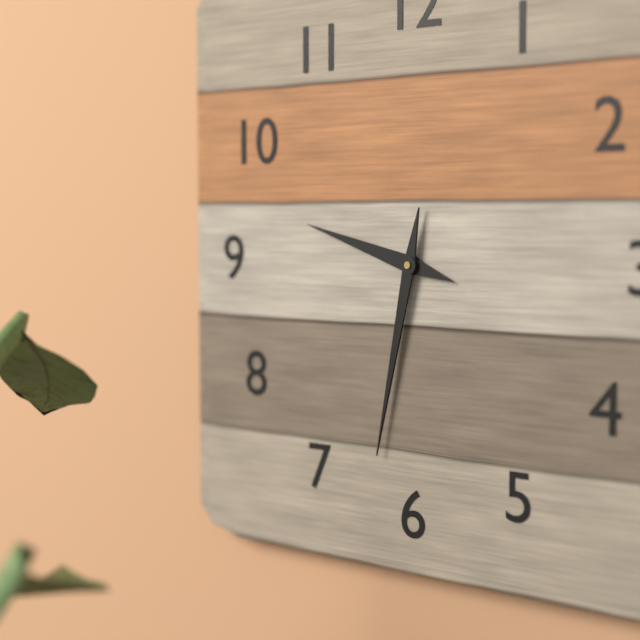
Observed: h=9 m=32
